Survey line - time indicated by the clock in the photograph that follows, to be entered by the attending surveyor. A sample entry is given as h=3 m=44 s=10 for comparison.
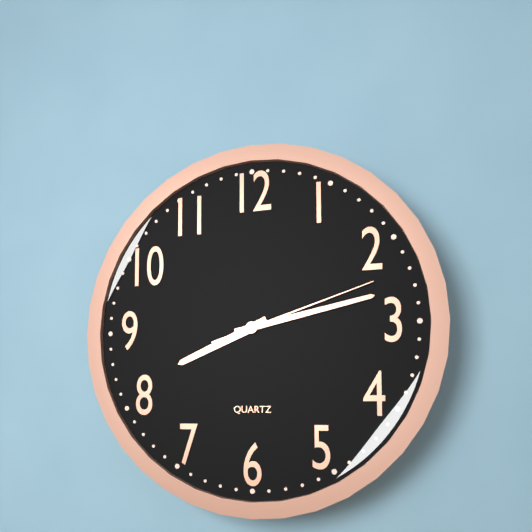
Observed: h=8 m=13 s=12
